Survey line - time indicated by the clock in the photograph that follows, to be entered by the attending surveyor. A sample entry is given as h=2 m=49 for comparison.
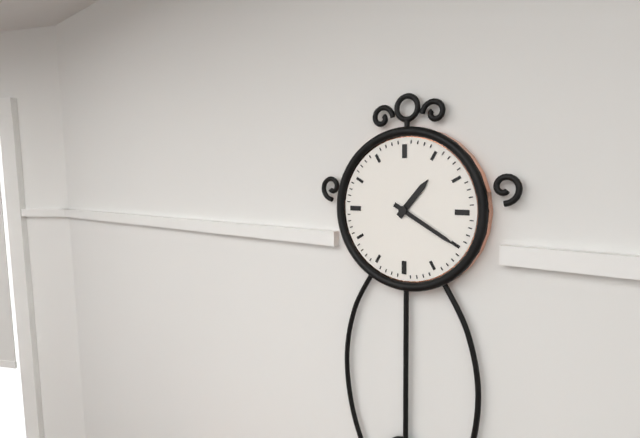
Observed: h=1 m=20
